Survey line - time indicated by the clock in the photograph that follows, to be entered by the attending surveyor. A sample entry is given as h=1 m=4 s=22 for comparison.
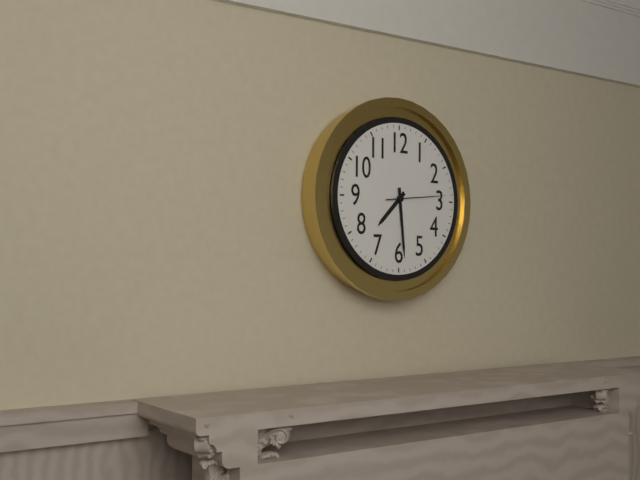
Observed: h=7 m=29 s=14
